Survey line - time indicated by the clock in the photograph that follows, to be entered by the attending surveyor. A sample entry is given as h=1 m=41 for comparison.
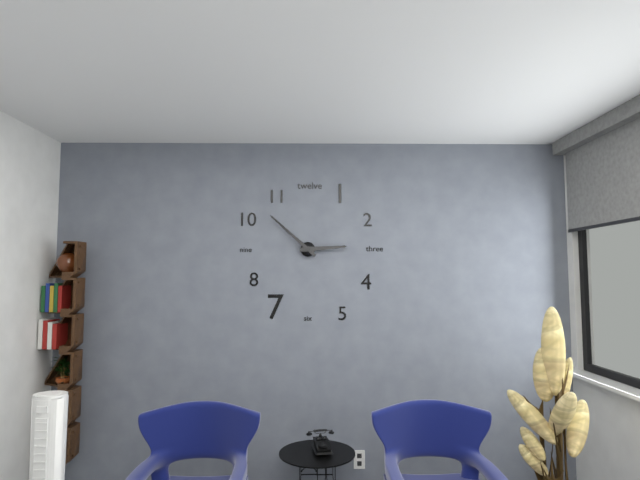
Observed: h=2 m=52
